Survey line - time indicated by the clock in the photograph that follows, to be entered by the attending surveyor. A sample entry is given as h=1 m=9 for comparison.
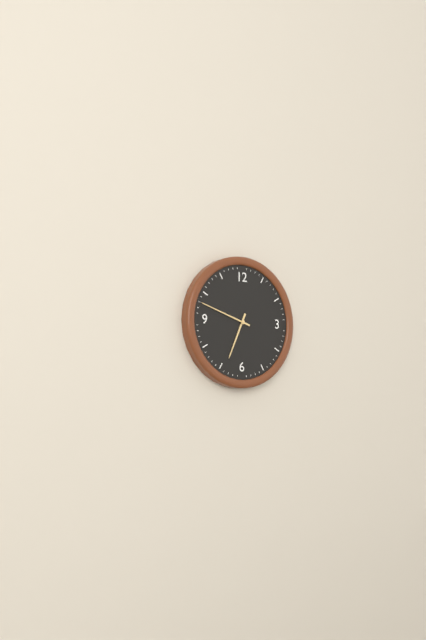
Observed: h=6 m=48
